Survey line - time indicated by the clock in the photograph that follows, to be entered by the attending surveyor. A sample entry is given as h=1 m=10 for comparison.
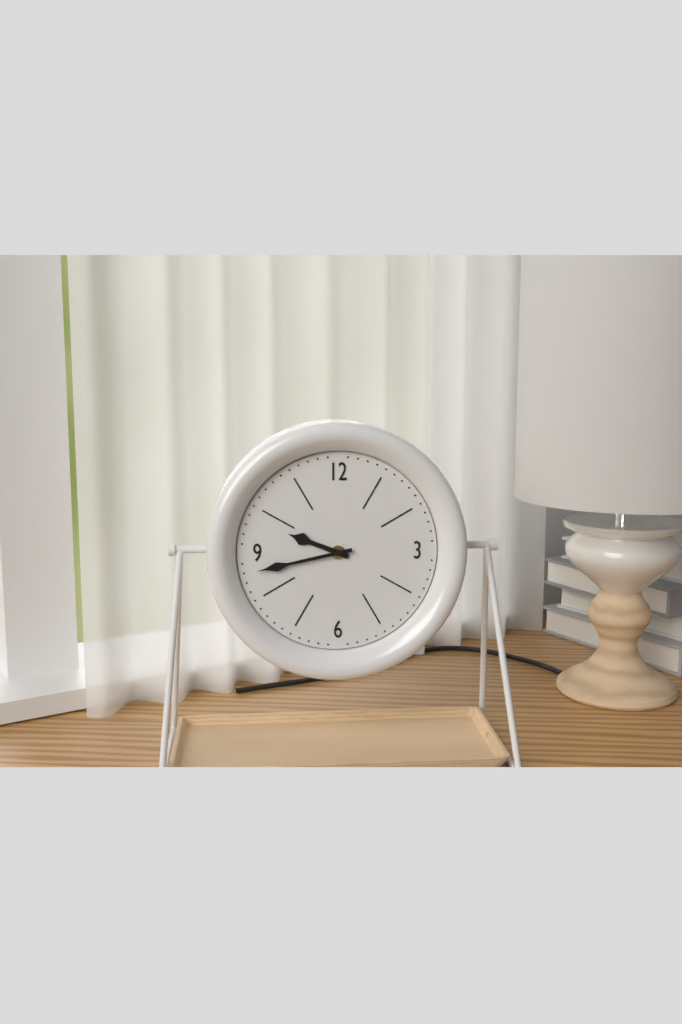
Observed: h=9 m=43
